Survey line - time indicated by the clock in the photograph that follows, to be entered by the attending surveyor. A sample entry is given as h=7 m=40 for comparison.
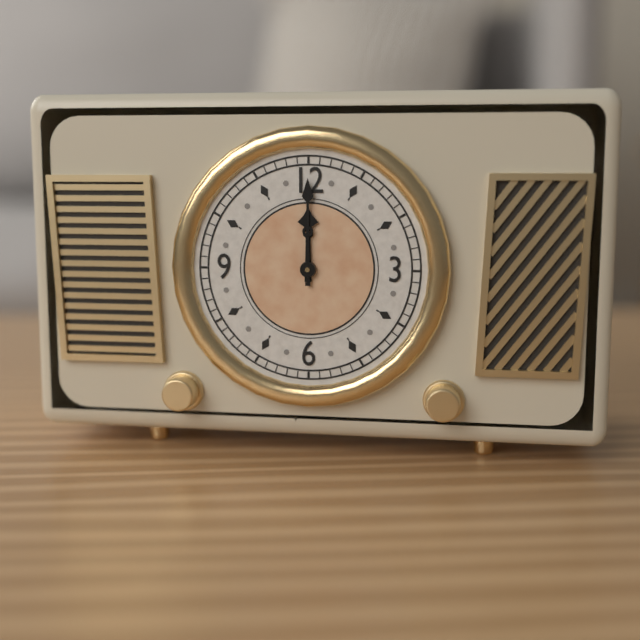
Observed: h=12 m=0
